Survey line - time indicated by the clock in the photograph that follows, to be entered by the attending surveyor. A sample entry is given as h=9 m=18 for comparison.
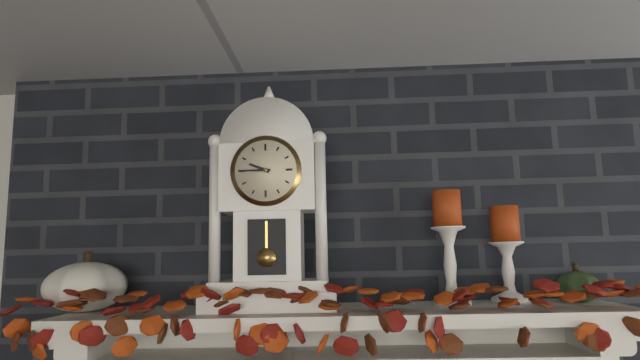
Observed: h=9 m=45
